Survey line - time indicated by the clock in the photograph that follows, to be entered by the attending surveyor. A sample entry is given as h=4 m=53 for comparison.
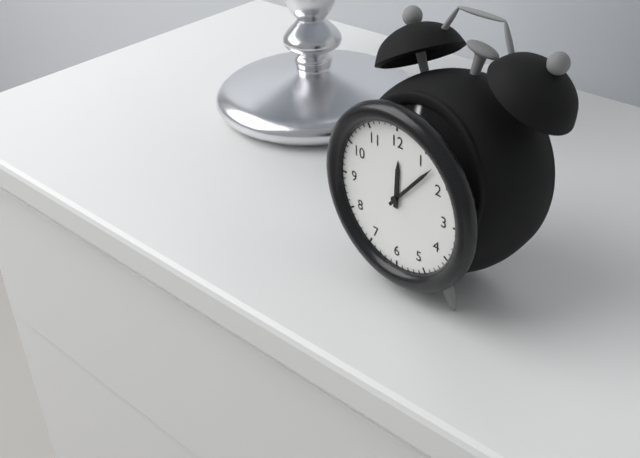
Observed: h=12 m=7
